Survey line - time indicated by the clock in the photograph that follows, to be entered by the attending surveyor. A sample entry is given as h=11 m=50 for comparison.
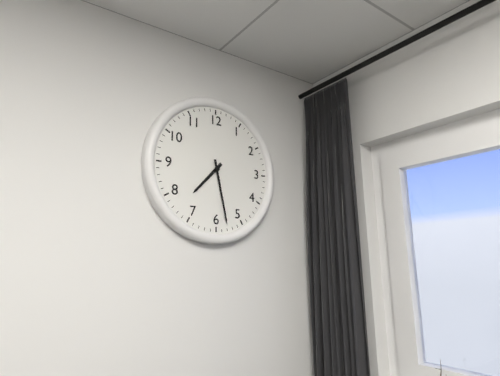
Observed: h=7 m=28
